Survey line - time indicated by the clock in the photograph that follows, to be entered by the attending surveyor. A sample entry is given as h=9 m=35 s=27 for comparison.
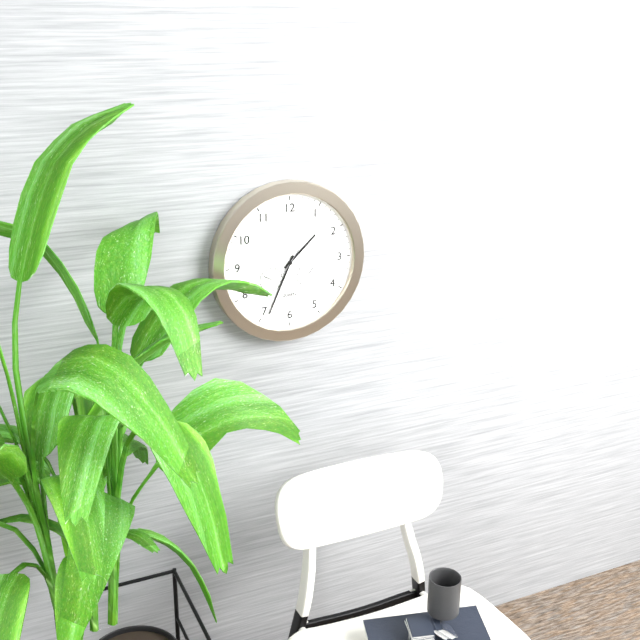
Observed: h=1 m=34 s=6
